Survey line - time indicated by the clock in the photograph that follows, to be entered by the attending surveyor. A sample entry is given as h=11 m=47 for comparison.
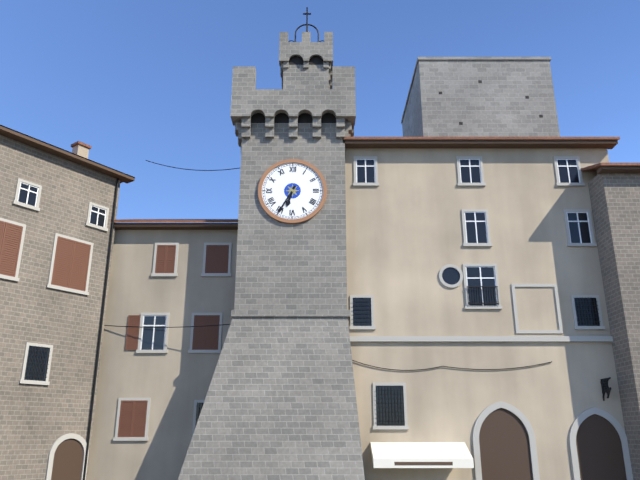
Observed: h=6 m=35
